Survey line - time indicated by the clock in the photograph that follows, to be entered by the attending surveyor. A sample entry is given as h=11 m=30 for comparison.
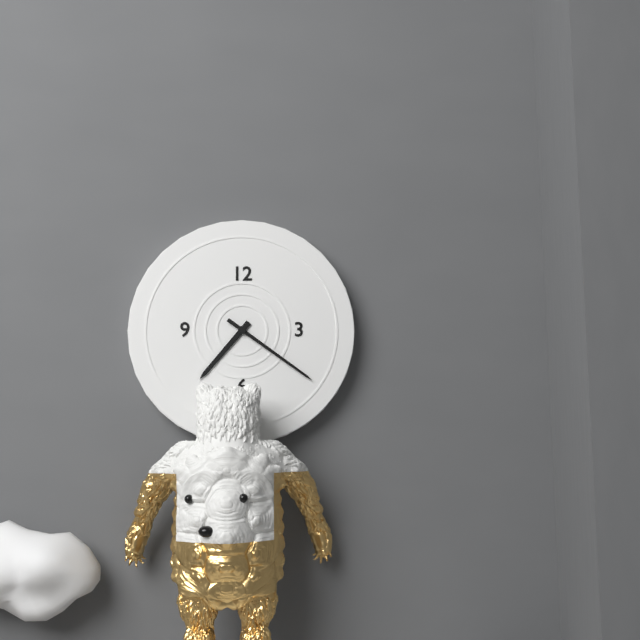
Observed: h=7 m=21
